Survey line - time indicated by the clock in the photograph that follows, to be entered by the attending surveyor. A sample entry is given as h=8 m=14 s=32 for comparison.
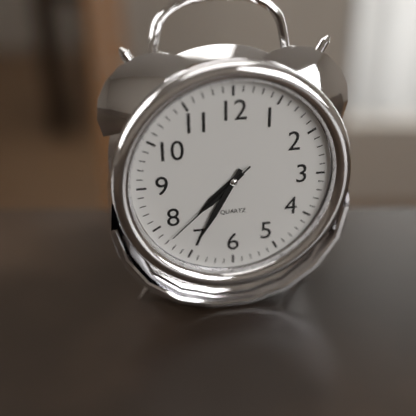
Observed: h=7 m=35 s=38
